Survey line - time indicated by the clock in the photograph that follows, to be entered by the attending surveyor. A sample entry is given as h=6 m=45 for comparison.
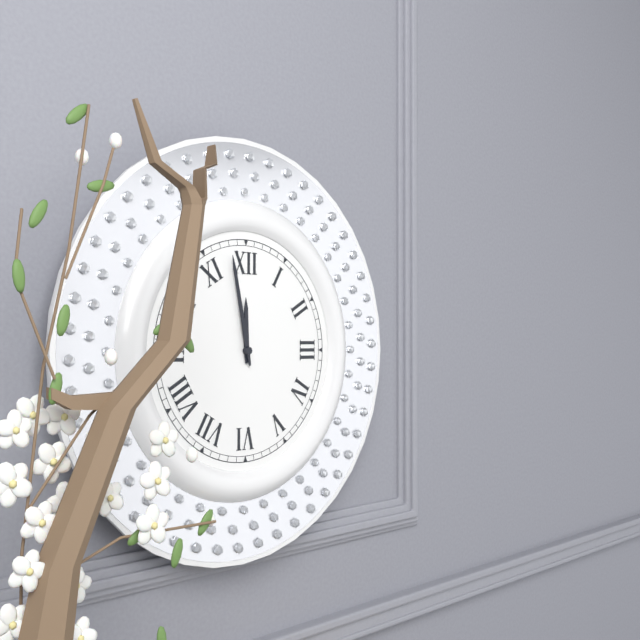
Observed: h=11 m=58
